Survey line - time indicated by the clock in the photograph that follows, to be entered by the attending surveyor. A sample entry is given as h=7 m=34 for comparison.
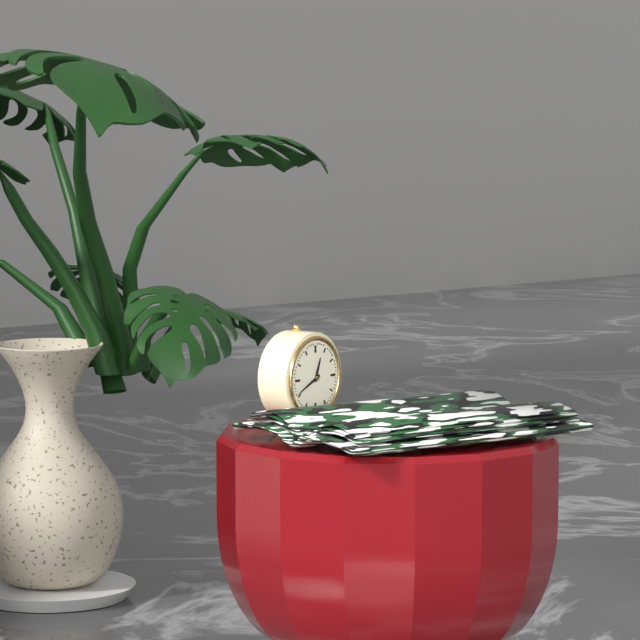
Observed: h=12 m=41
